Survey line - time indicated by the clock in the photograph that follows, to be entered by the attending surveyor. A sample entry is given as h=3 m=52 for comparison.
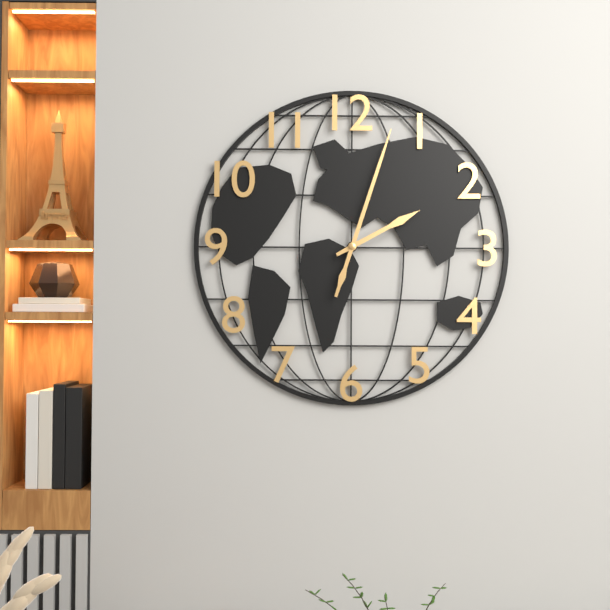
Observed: h=2 m=3
